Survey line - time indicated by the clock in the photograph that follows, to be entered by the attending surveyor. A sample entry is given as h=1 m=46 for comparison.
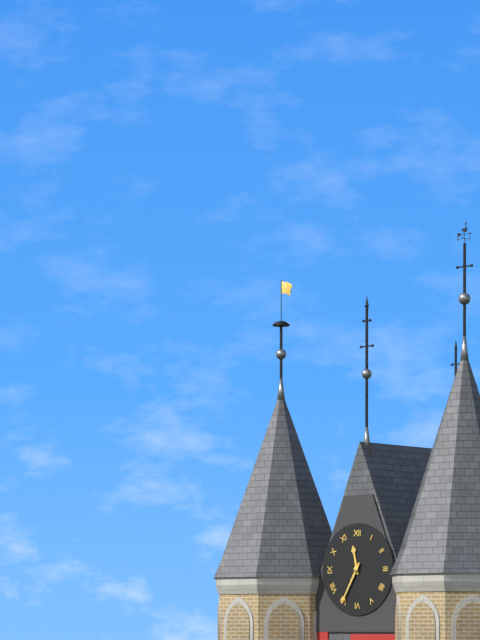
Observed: h=11 m=35
